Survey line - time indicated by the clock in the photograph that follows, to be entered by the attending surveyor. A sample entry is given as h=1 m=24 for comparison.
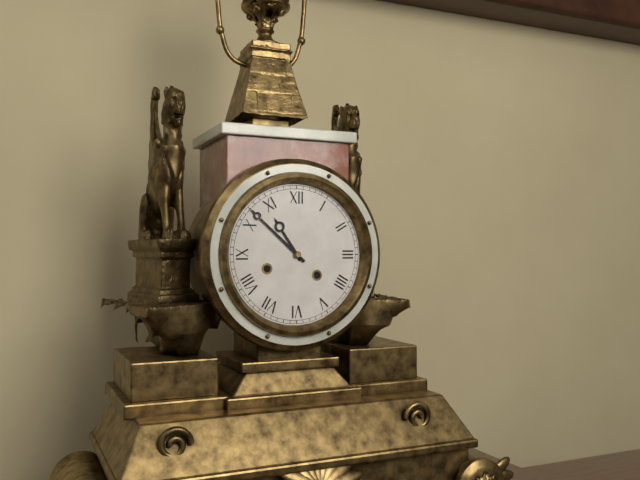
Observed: h=10 m=52
